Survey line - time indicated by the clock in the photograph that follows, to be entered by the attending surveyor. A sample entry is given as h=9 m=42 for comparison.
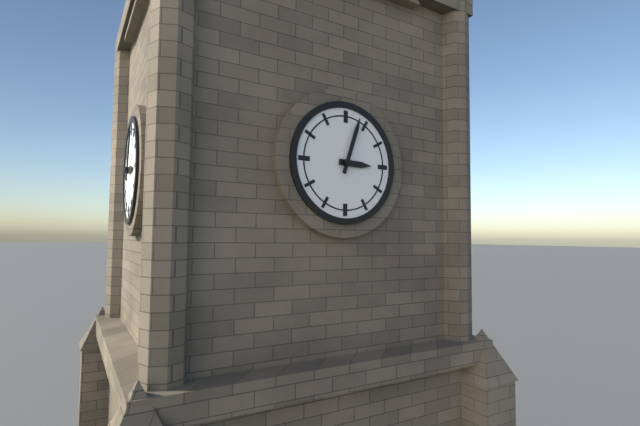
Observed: h=3 m=3
